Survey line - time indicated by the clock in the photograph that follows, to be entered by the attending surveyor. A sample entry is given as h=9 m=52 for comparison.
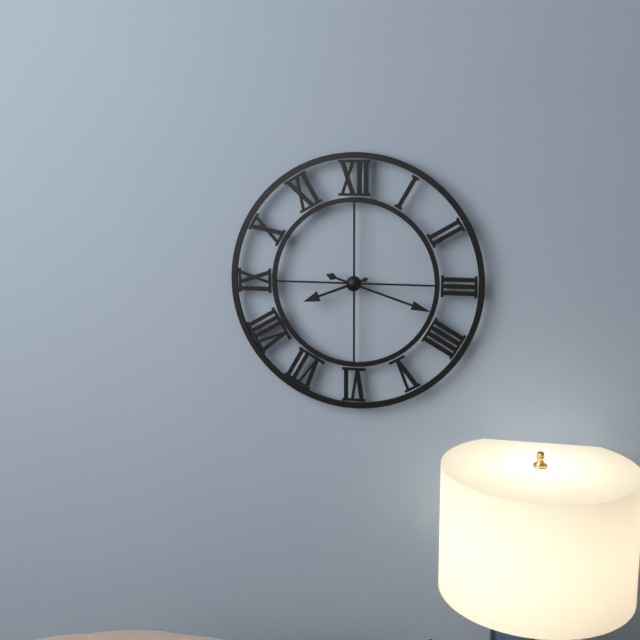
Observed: h=8 m=18
